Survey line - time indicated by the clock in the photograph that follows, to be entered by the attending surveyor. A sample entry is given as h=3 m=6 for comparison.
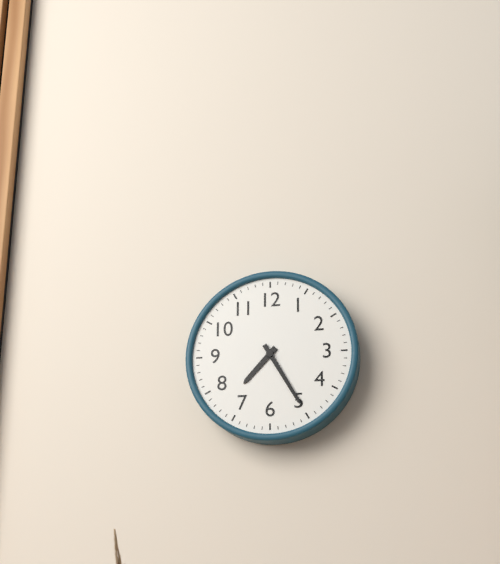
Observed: h=7 m=25
